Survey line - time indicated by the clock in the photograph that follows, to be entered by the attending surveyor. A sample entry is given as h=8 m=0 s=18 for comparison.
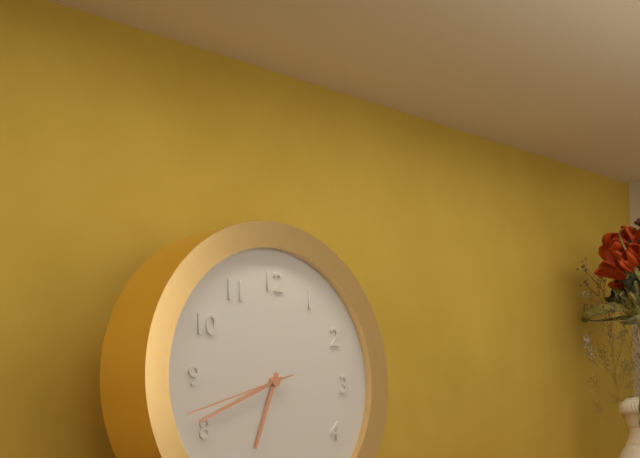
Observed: h=6 m=41 s=42
